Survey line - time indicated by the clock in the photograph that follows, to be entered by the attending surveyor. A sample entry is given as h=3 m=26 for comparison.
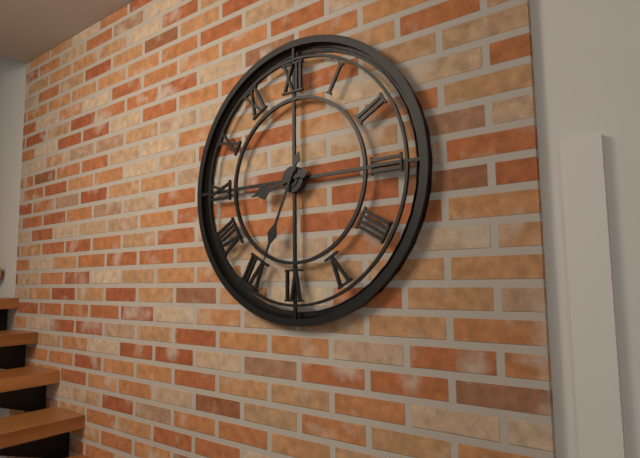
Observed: h=8 m=34
